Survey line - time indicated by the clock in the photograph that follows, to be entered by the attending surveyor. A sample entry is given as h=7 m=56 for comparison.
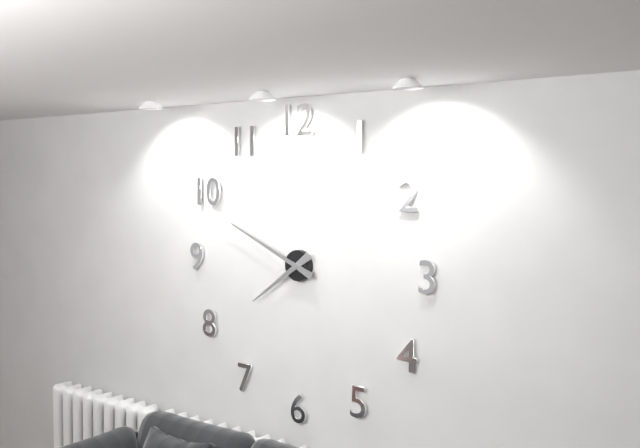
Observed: h=7 m=49
